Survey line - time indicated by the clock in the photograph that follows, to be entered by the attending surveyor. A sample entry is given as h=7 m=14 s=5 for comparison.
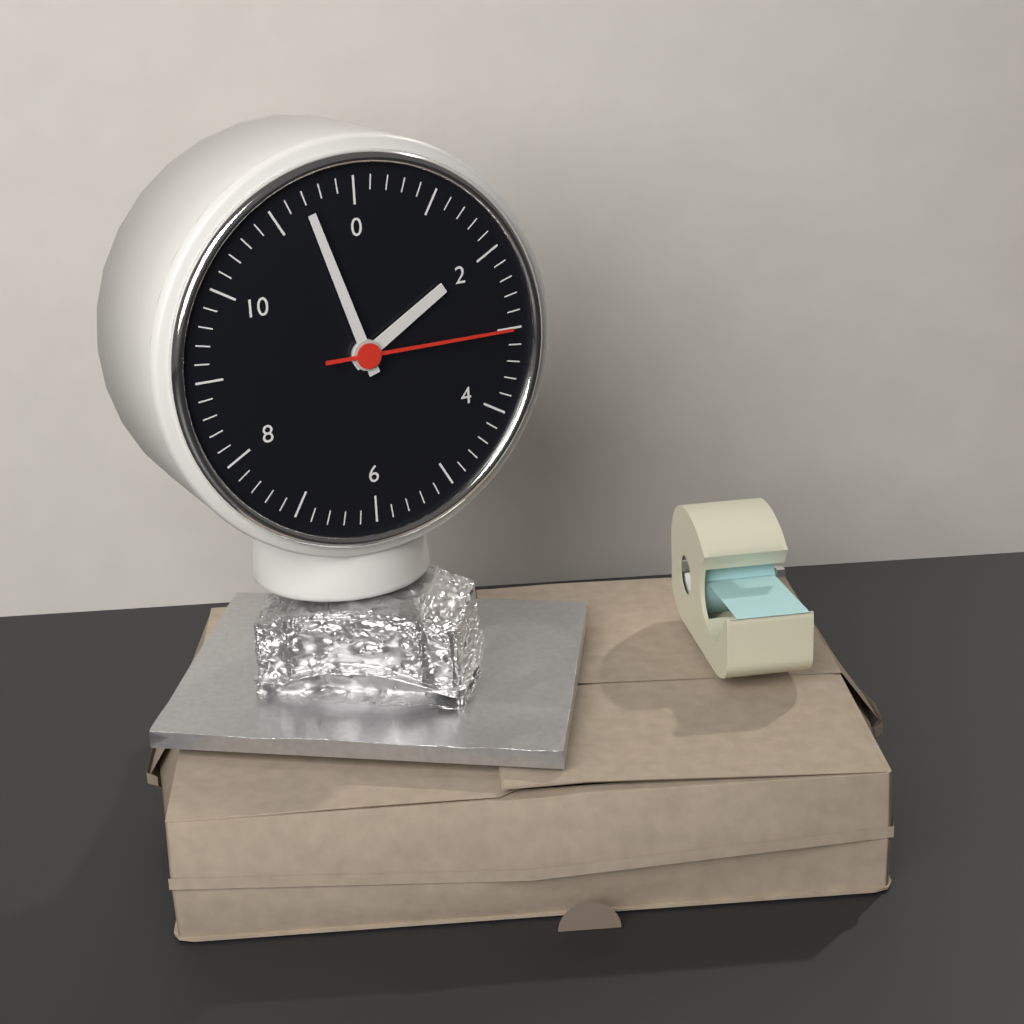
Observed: h=1 m=57 s=15
